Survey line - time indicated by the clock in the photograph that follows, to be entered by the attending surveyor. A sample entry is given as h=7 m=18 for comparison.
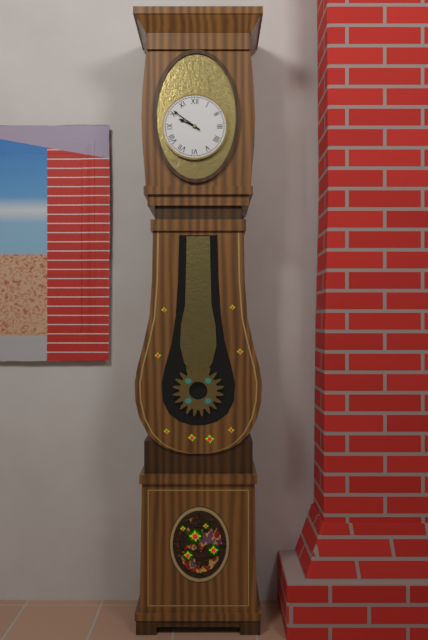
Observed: h=9 m=51
